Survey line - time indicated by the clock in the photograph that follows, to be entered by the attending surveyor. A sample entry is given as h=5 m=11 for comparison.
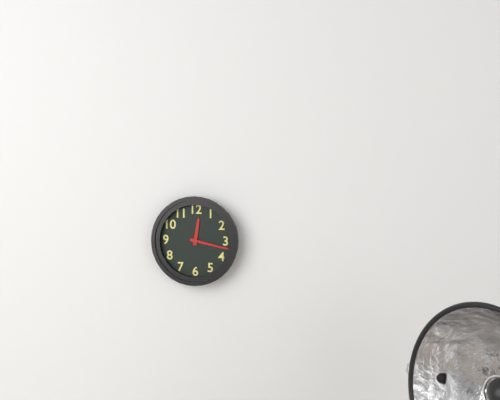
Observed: h=12 m=17
